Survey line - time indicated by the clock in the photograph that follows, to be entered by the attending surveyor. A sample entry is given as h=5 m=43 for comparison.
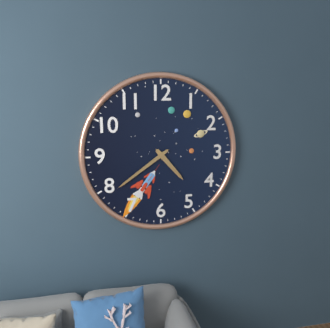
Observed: h=4 m=39
